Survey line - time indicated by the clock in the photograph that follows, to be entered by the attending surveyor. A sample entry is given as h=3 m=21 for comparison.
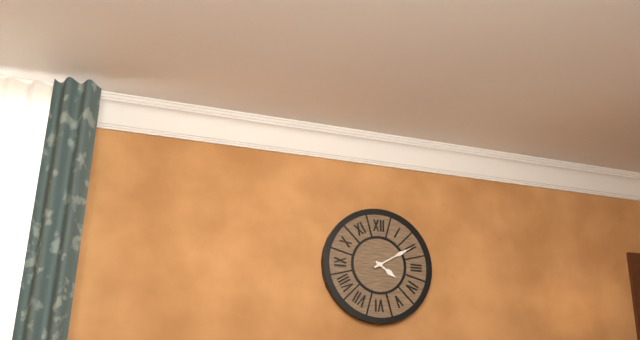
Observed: h=4 m=10
